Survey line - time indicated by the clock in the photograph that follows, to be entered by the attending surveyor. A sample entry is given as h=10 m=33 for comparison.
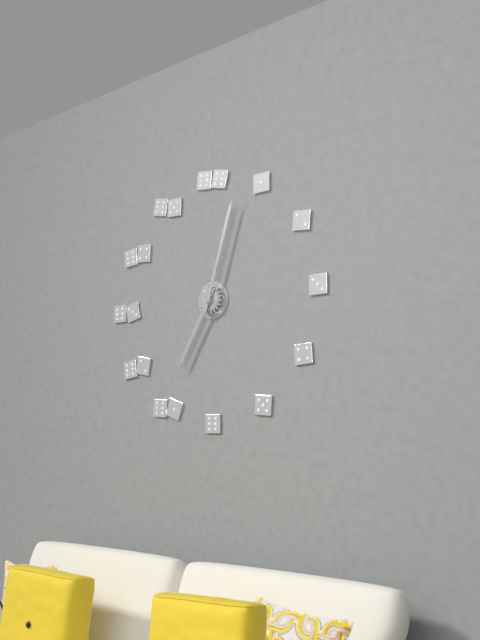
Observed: h=7 m=3
